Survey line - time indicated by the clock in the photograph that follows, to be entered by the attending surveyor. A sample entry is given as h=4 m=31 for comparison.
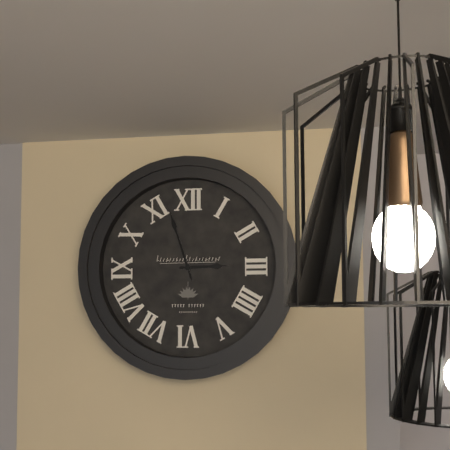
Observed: h=2 m=57
